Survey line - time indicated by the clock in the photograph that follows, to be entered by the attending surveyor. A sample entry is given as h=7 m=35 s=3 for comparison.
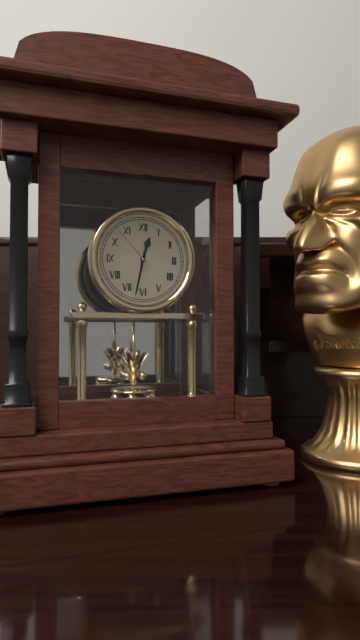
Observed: h=12 m=32 s=53
